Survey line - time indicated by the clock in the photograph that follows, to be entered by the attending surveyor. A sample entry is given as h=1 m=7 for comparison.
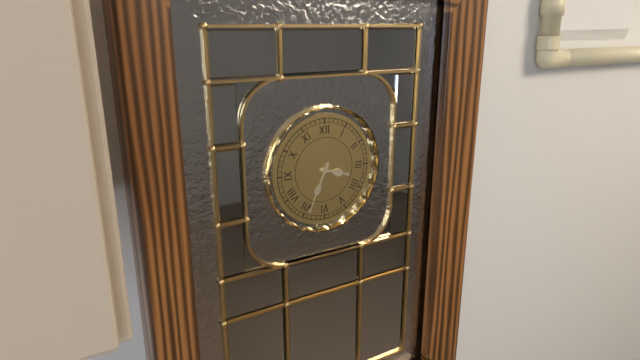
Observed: h=3 m=34
